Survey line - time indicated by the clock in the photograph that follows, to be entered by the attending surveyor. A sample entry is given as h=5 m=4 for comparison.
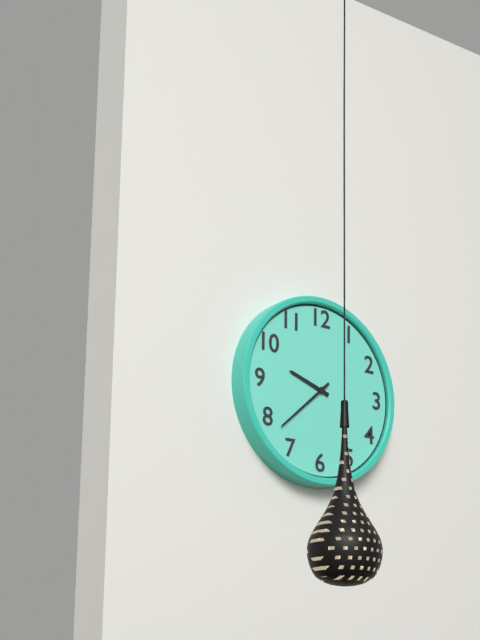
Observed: h=9 m=38
